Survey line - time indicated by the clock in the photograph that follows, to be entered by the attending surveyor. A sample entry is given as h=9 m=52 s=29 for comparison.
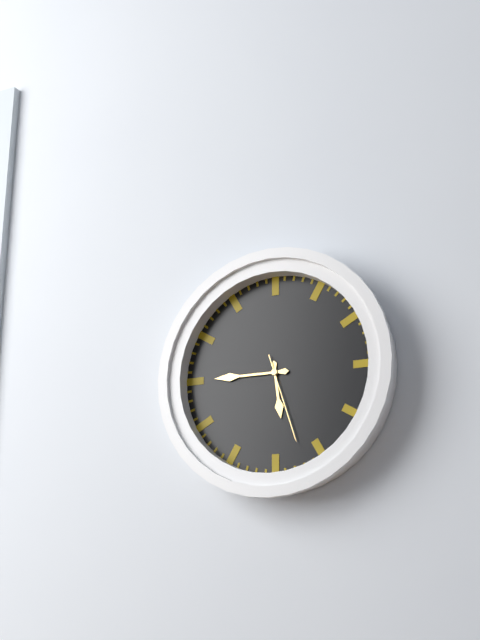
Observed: h=5 m=45 s=27
